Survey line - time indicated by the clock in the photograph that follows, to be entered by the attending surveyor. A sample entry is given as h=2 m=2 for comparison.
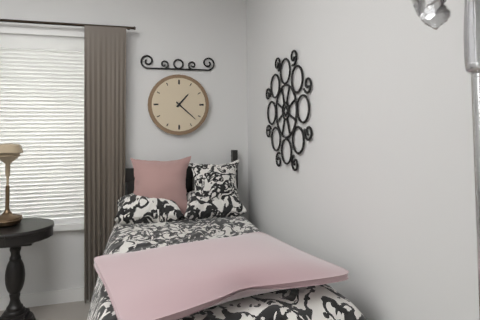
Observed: h=1 m=22
